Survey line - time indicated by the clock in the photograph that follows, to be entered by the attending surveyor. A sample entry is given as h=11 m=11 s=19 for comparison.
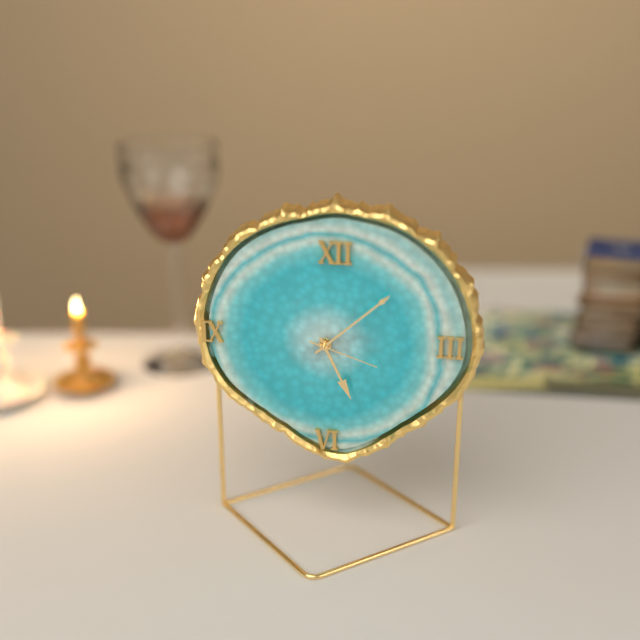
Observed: h=5 m=8 s=18
